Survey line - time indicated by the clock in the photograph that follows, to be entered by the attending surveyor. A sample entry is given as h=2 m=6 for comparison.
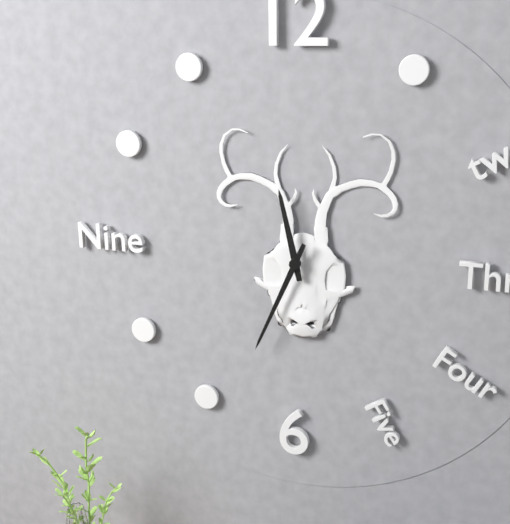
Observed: h=11 m=34
